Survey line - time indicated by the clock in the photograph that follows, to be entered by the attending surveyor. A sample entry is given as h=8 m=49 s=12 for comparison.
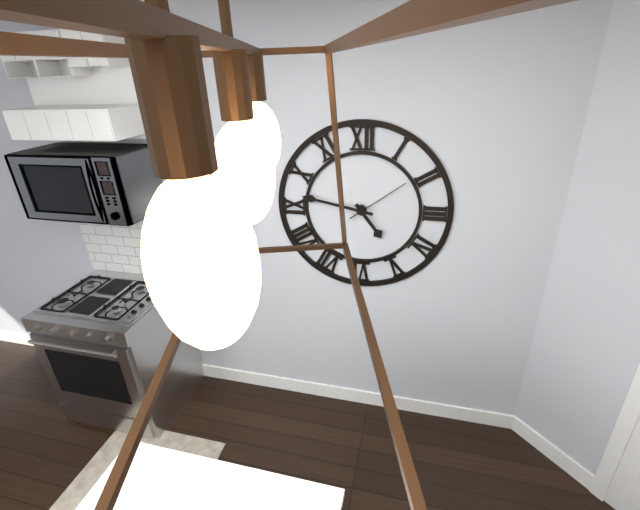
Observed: h=4 m=47 s=9
